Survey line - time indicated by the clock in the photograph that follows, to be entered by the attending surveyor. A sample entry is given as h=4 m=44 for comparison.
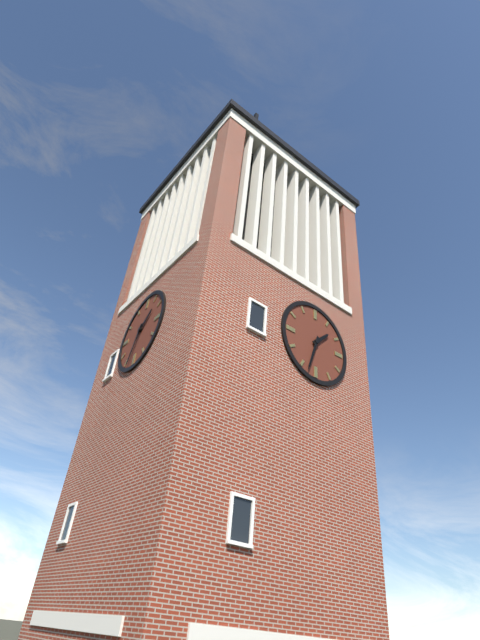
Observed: h=1 m=33
